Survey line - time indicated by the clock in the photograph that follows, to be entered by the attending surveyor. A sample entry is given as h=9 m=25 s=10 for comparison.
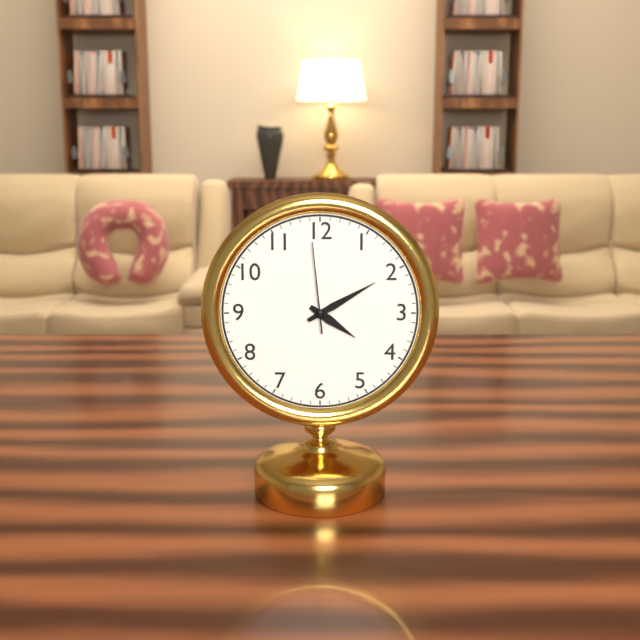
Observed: h=4 m=10 s=59
